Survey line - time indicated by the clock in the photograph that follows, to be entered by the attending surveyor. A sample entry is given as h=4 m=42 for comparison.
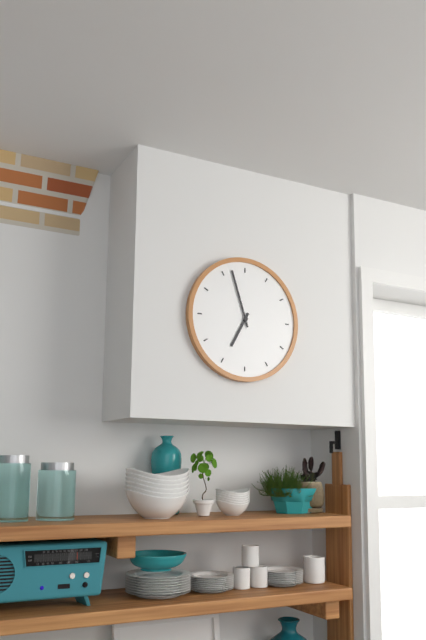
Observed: h=6 m=57
